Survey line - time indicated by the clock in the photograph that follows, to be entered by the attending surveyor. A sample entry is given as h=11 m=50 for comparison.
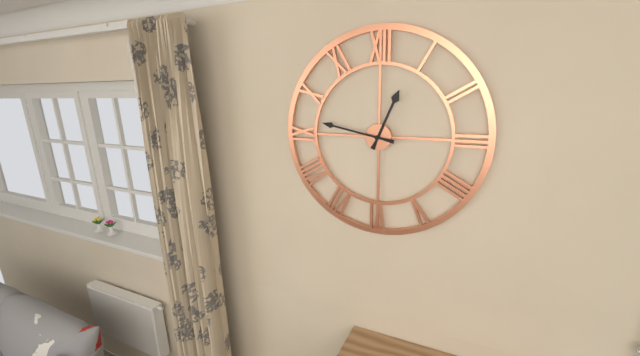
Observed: h=12 m=47
